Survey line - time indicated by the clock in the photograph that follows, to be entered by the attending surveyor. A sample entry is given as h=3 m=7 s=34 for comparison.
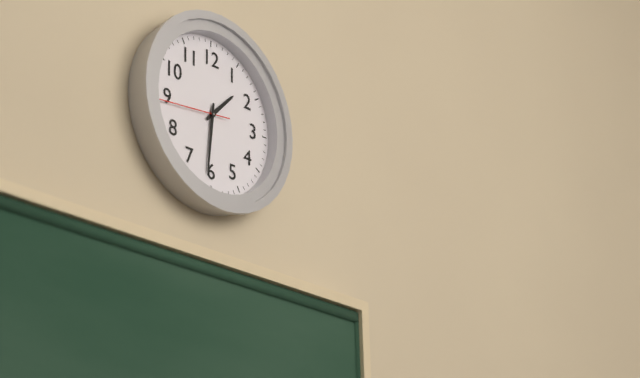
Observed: h=1 m=31 s=44
